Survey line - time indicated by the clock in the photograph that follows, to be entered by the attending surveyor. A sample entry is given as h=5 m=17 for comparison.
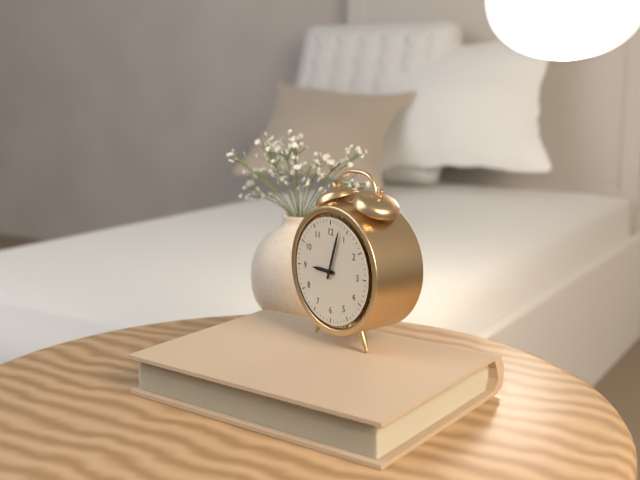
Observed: h=9 m=3
